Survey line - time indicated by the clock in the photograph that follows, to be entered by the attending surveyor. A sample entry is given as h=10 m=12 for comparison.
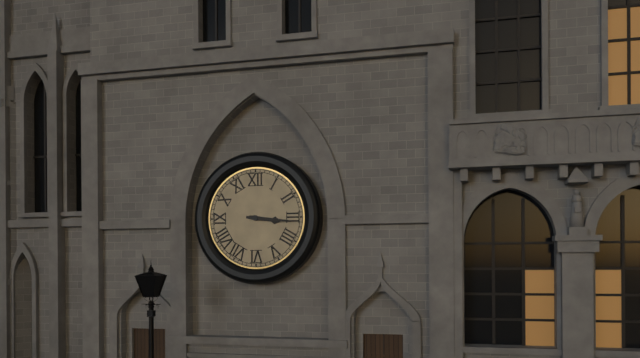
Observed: h=3 m=16
